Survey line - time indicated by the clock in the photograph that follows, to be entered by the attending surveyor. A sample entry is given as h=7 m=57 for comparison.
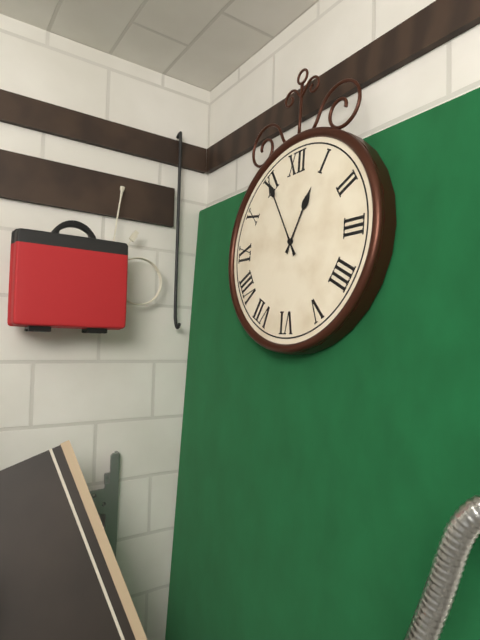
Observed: h=12 m=55
